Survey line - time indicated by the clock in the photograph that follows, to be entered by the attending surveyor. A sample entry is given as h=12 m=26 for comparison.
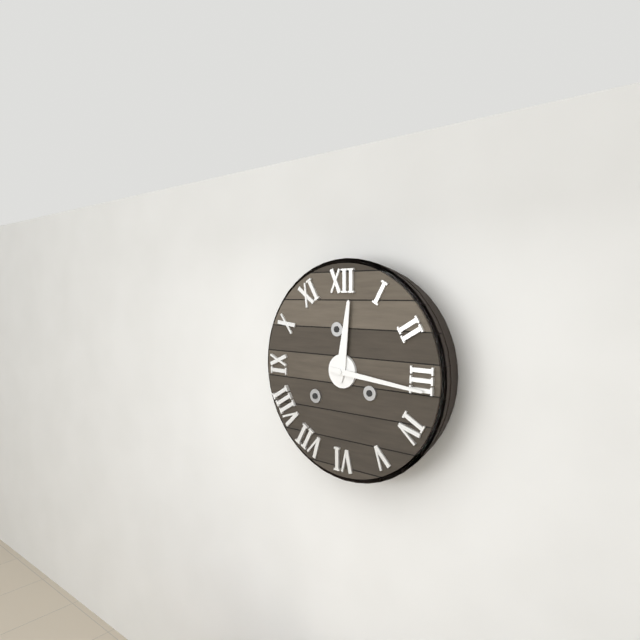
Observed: h=12 m=16
